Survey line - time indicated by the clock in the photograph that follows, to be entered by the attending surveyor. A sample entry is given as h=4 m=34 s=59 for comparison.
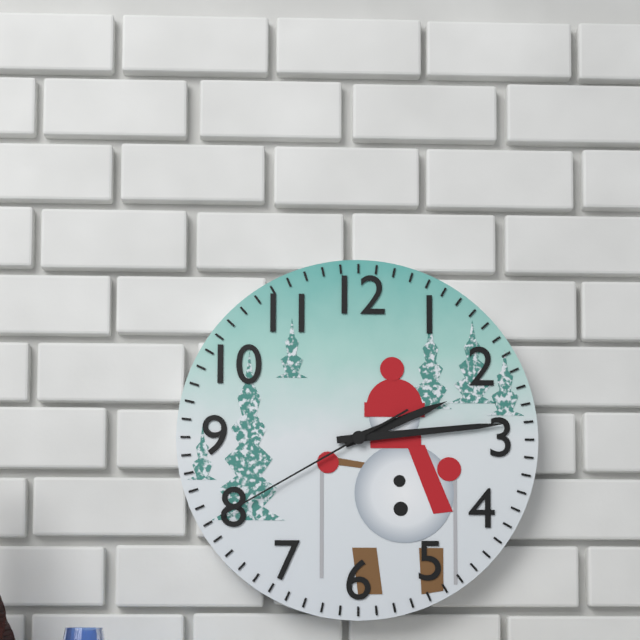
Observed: h=2 m=14 s=40
